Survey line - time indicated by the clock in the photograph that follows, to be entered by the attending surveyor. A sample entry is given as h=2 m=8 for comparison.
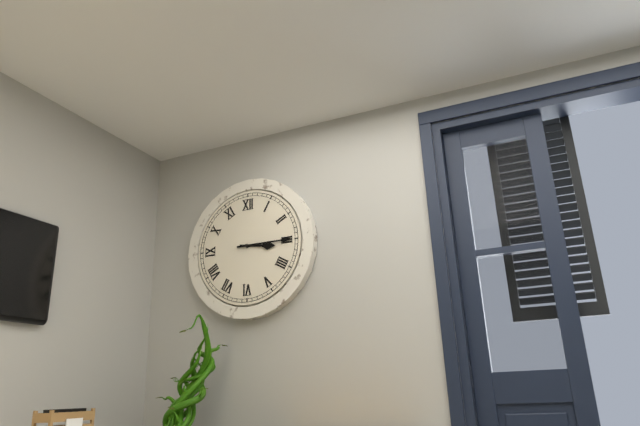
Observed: h=3 m=15
